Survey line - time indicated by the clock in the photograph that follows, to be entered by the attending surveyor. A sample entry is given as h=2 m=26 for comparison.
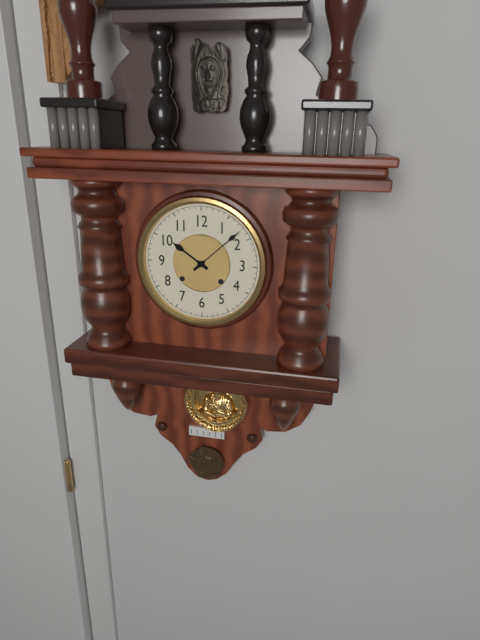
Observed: h=10 m=8
